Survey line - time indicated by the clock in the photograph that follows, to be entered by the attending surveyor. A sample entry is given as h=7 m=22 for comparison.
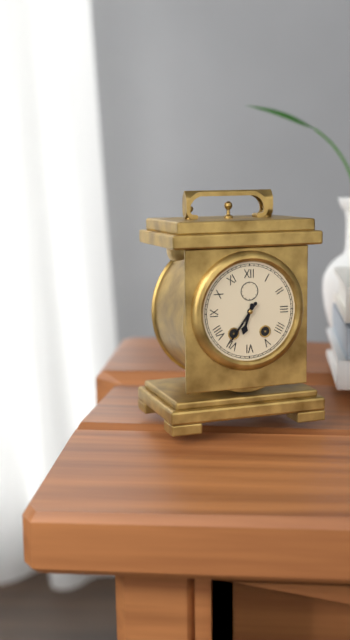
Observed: h=6 m=36
